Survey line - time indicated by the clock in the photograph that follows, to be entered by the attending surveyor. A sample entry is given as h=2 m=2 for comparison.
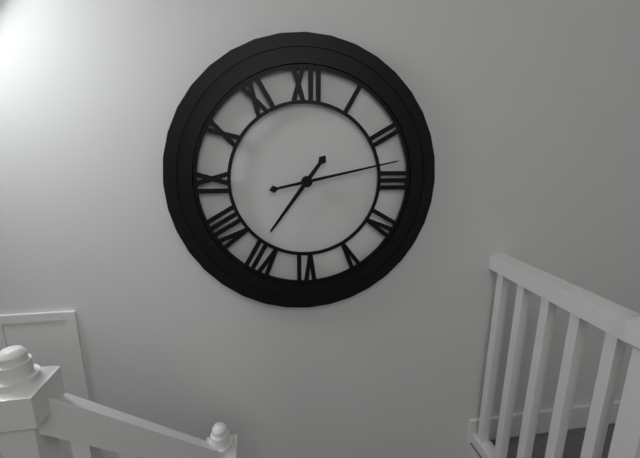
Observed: h=7 m=13
